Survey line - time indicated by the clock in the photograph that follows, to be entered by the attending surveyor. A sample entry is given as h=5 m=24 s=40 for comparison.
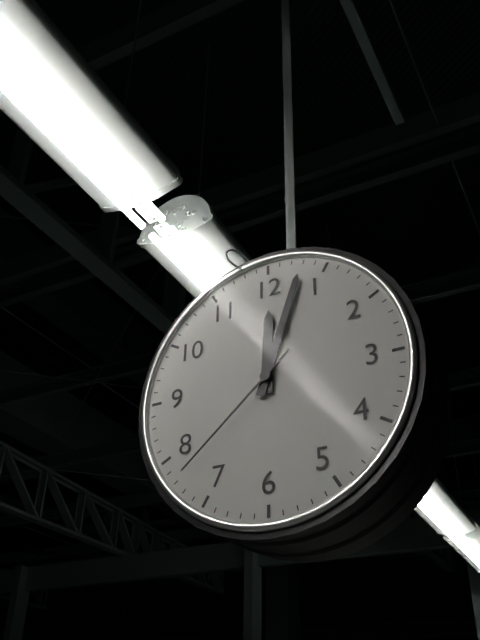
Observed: h=12 m=3 s=38
